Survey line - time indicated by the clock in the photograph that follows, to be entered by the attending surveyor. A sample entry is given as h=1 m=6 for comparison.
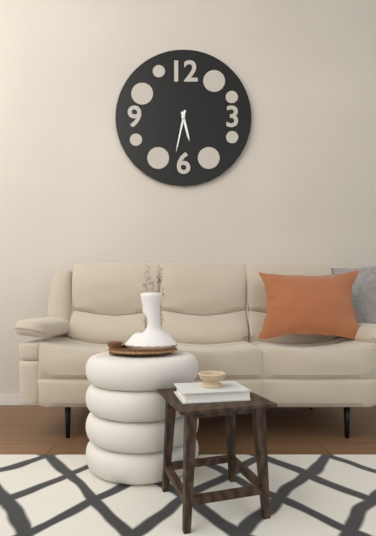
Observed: h=5 m=32
